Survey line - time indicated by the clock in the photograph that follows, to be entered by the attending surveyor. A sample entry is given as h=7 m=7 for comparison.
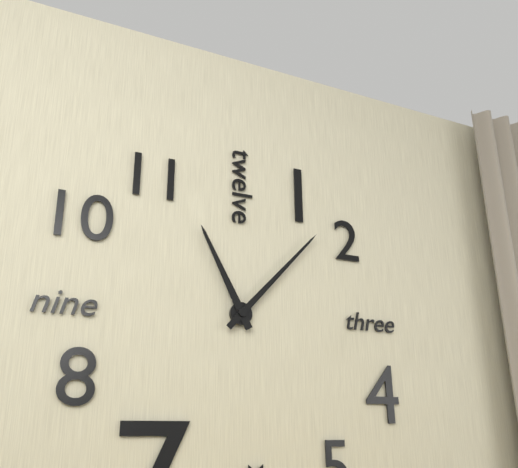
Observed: h=11 m=7
